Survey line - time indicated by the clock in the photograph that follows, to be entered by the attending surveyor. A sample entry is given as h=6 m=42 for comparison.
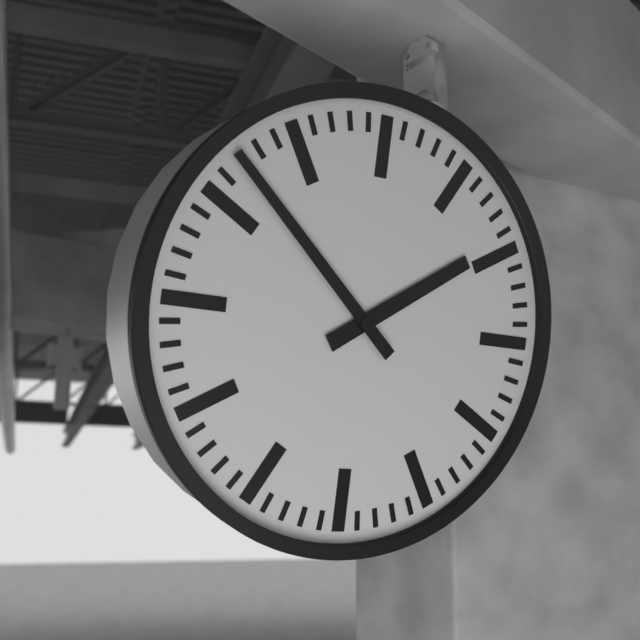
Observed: h=1 m=52
